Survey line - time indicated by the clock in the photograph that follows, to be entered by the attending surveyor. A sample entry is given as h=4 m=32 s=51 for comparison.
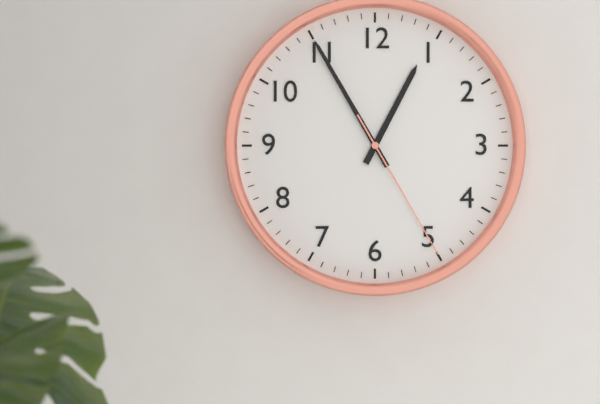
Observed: h=12 m=55 s=25
